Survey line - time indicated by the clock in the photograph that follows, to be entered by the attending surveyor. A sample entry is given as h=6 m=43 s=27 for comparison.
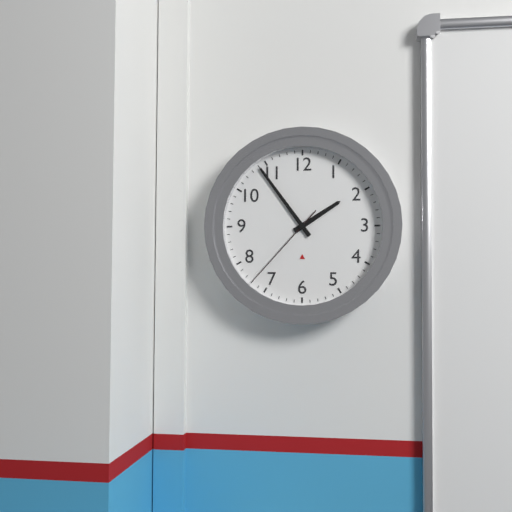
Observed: h=1 m=54 s=37
